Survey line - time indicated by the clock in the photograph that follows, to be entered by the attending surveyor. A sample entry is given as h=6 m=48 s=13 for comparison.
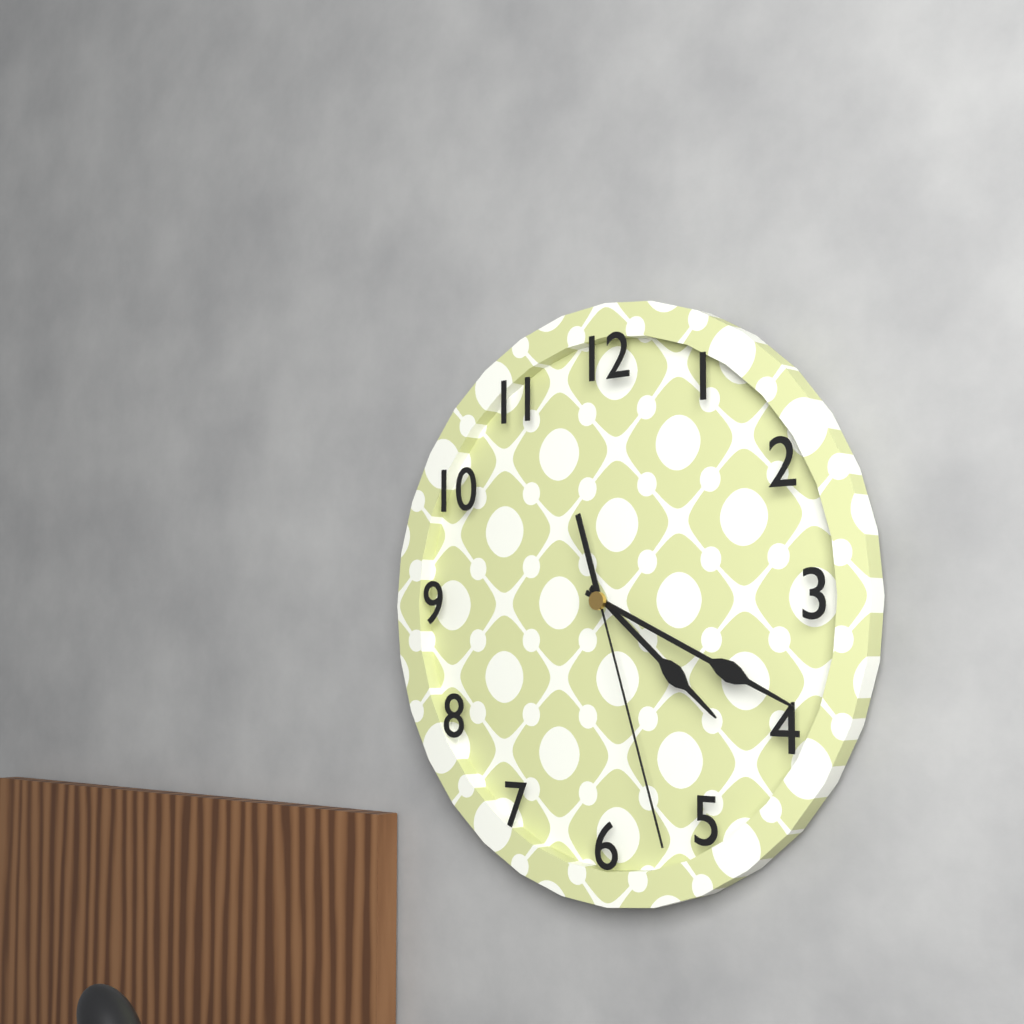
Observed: h=4 m=19 s=27
